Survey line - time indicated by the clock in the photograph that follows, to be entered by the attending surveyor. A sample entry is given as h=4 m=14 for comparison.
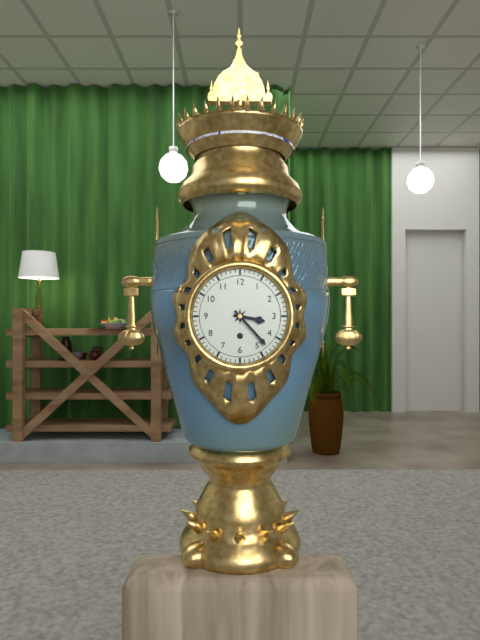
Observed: h=3 m=23
